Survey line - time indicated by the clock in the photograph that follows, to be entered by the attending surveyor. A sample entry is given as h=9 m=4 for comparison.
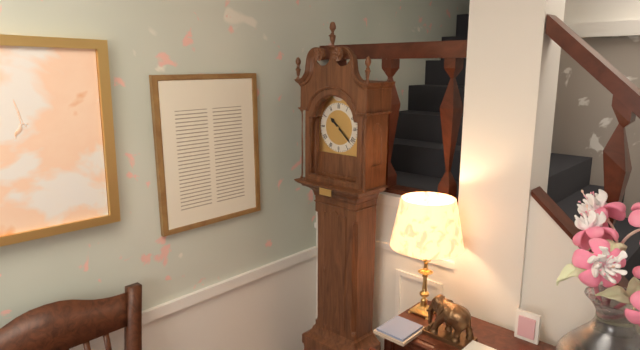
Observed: h=10 m=22
